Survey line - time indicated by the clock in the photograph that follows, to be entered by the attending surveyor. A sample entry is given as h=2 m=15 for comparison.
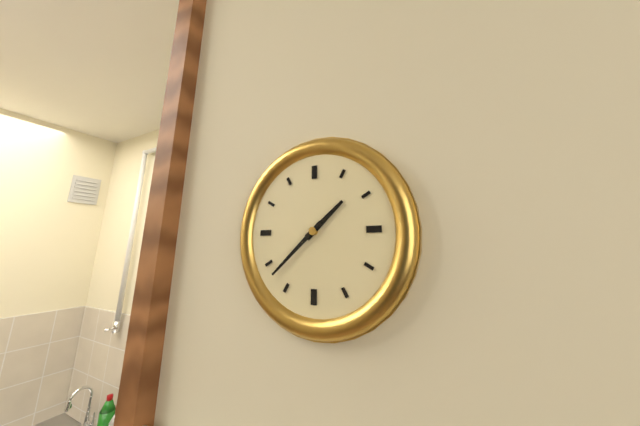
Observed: h=1 m=38
